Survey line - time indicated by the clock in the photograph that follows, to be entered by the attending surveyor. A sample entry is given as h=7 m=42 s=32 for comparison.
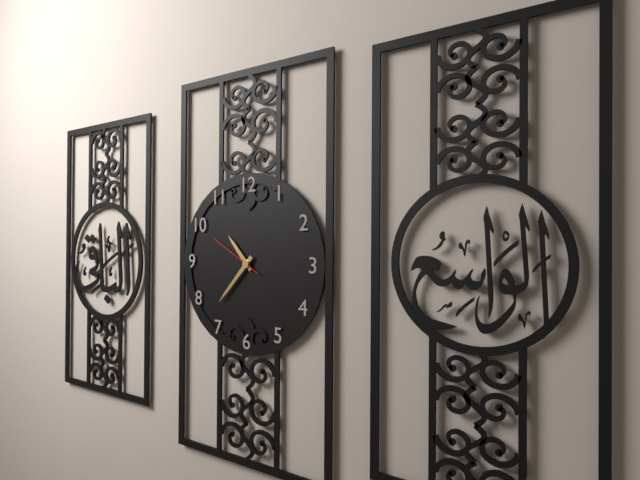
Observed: h=10 m=37 s=50
